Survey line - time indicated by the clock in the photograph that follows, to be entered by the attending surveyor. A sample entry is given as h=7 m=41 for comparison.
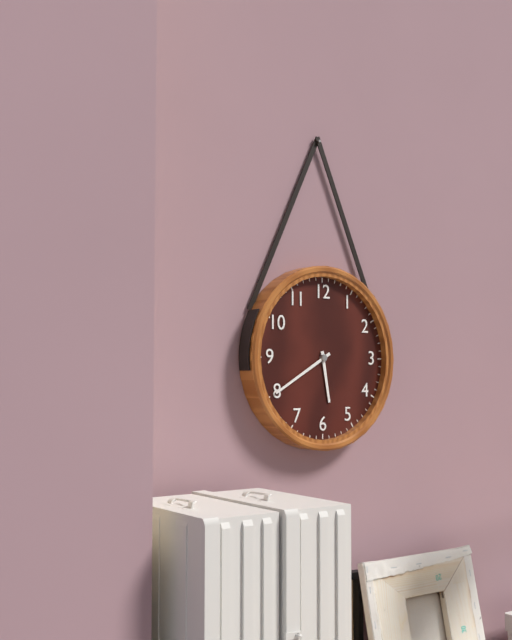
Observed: h=5 m=40
